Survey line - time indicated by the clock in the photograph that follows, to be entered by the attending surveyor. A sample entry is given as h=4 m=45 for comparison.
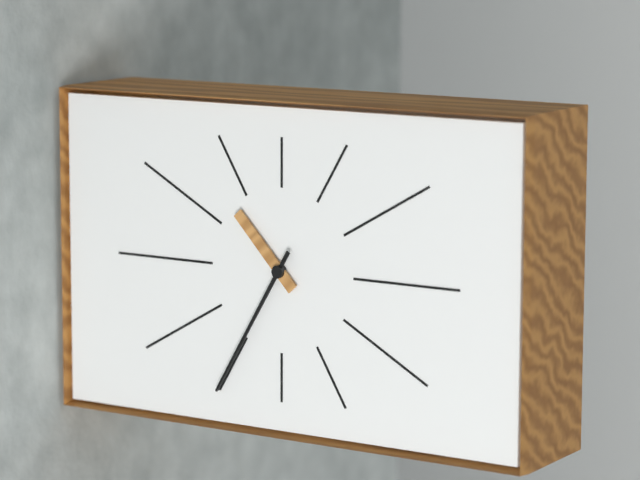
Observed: h=10 m=35
